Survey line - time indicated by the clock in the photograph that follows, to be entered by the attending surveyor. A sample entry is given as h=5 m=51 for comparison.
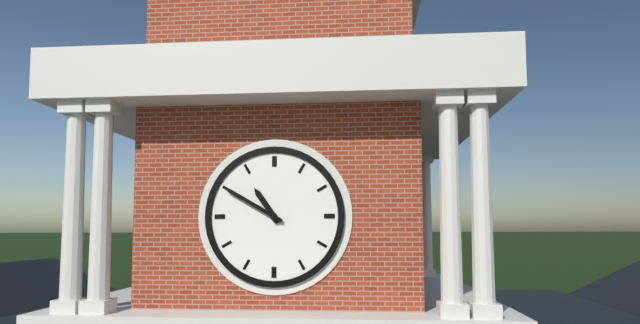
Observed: h=10 m=50
